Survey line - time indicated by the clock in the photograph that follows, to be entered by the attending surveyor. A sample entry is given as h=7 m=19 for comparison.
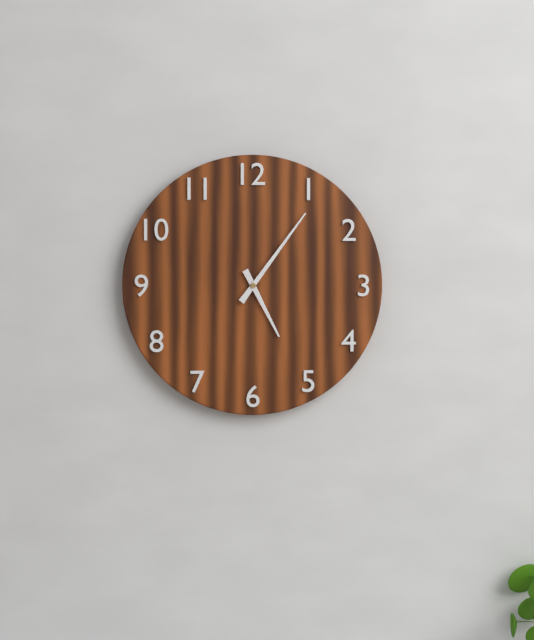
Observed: h=5 m=6
